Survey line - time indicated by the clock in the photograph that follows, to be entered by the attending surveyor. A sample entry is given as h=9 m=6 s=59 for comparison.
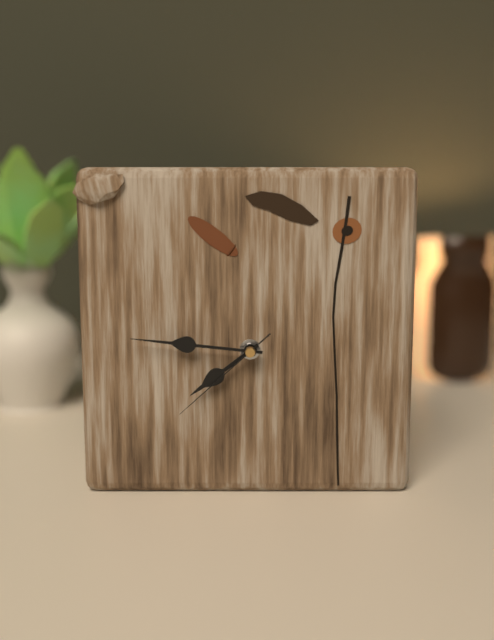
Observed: h=7 m=46 s=38
